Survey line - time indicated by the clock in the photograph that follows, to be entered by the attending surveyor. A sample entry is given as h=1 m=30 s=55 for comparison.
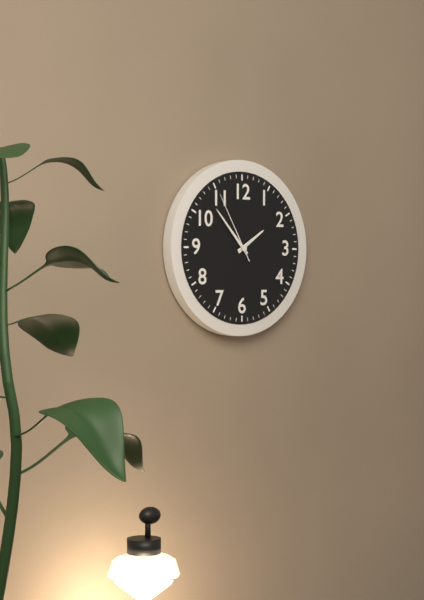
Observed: h=1 m=53 s=55
